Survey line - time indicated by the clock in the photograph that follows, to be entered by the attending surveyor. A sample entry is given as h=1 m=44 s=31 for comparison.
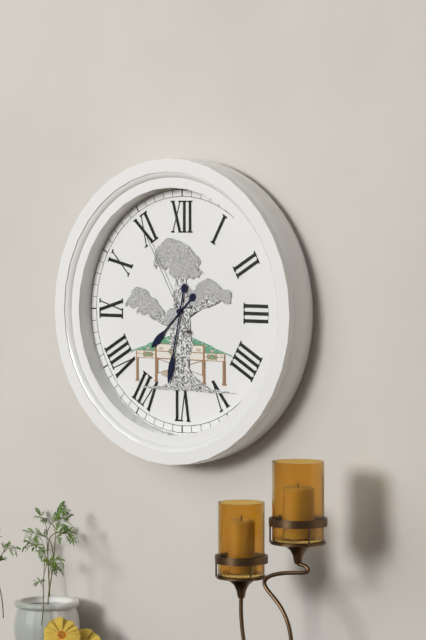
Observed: h=7 m=32 s=55
